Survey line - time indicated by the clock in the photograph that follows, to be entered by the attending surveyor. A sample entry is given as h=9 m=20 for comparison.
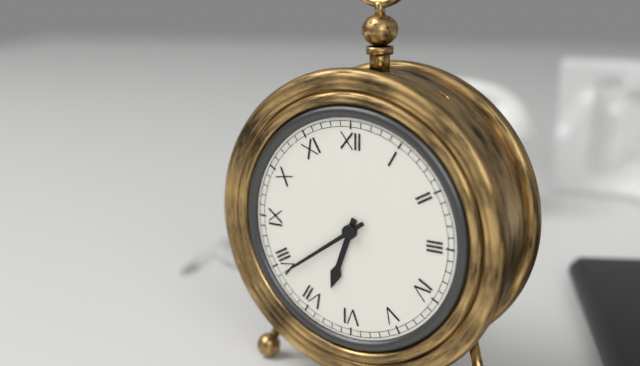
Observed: h=6 m=39
